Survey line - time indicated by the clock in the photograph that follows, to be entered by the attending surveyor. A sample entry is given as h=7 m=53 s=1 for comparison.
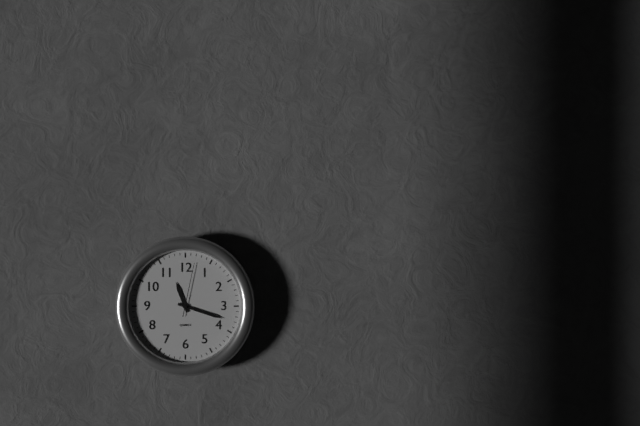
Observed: h=11 m=18 s=2
